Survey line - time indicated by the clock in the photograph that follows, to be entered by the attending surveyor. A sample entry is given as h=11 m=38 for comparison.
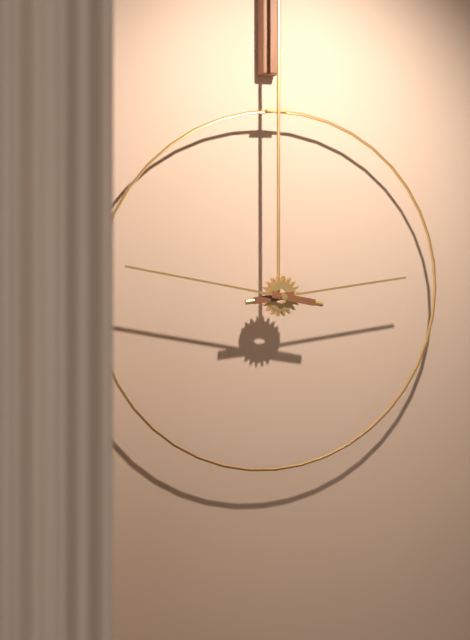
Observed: h=2 m=47
